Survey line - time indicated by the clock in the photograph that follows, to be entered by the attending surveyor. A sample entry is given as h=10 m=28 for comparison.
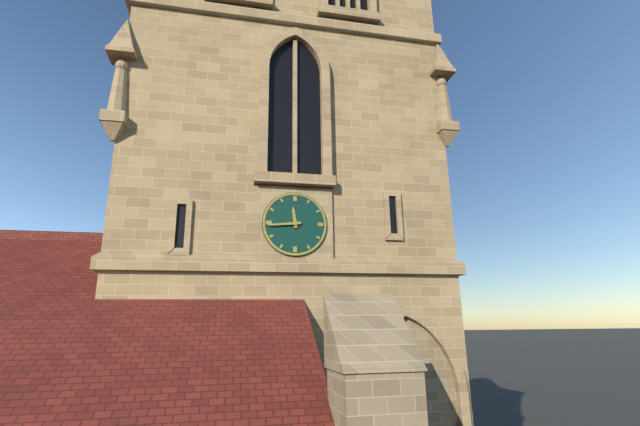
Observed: h=11 m=44
